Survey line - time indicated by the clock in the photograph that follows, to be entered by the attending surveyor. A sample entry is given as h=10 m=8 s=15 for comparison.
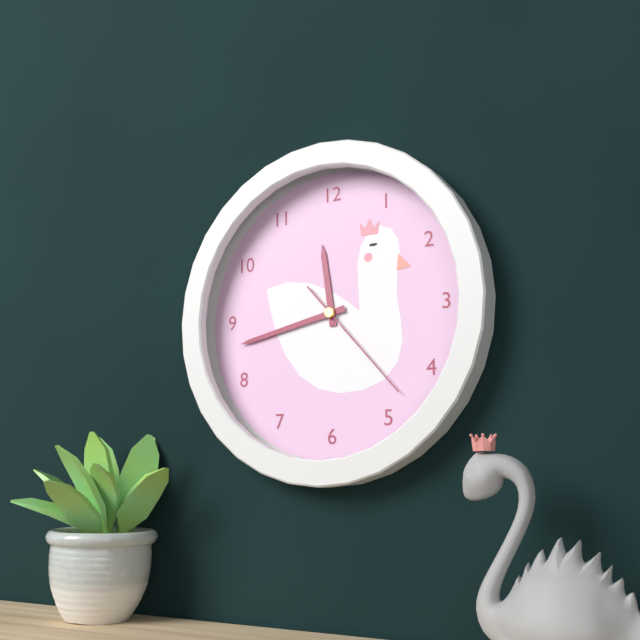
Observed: h=11 m=43 s=23
